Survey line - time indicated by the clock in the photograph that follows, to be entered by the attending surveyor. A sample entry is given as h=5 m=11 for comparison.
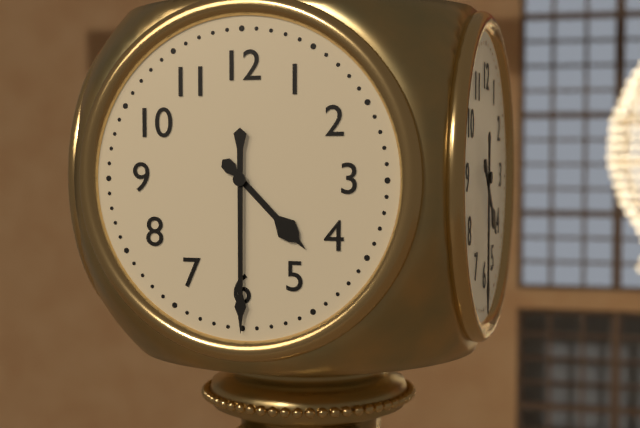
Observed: h=4 m=30
